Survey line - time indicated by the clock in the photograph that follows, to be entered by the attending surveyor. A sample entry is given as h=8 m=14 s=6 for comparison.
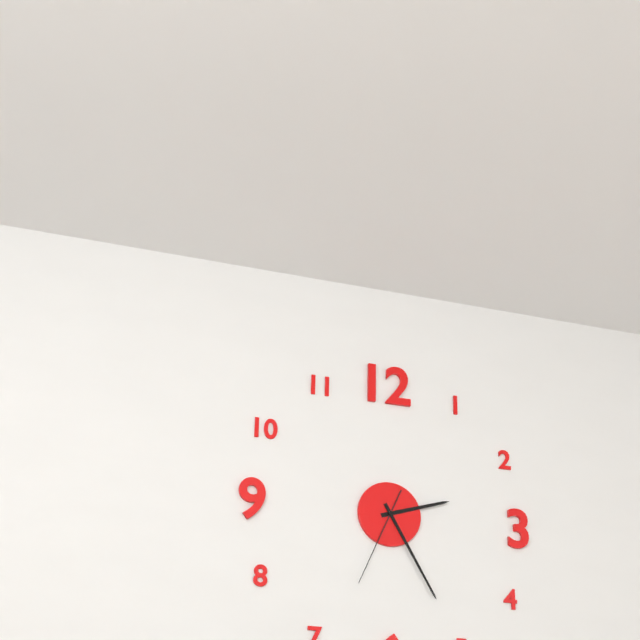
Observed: h=2 m=25 s=34
